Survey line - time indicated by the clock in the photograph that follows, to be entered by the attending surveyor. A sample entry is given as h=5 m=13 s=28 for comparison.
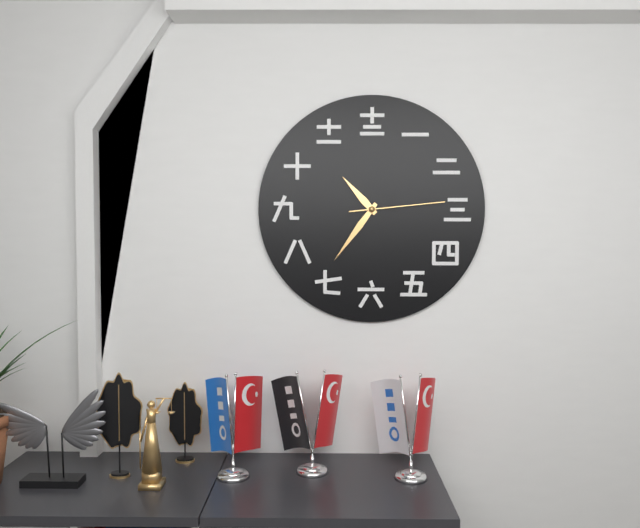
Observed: h=10 m=36 s=14
